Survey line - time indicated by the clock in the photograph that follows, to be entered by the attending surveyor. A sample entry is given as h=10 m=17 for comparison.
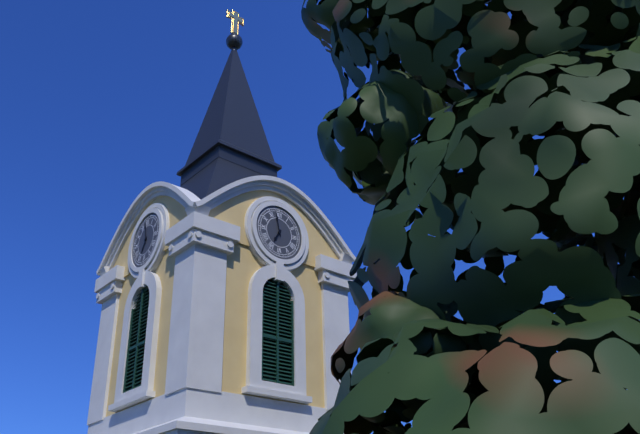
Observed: h=6 m=58
